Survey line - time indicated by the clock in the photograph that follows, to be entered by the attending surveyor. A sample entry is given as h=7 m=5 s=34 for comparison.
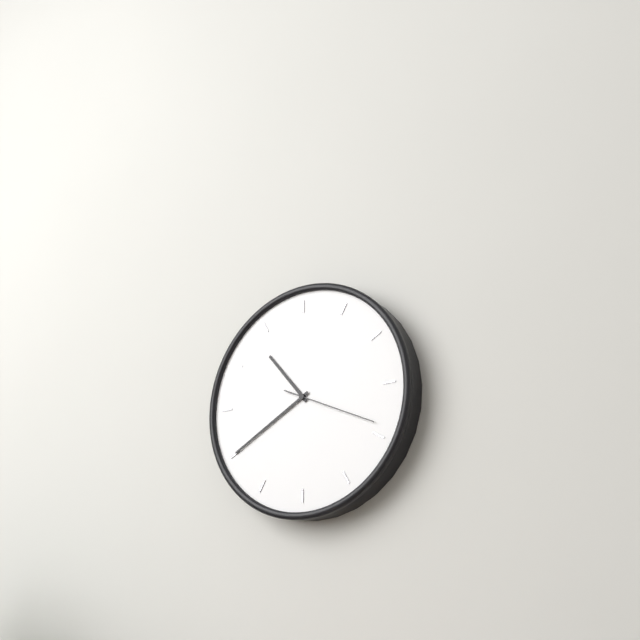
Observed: h=10 m=40 s=19
